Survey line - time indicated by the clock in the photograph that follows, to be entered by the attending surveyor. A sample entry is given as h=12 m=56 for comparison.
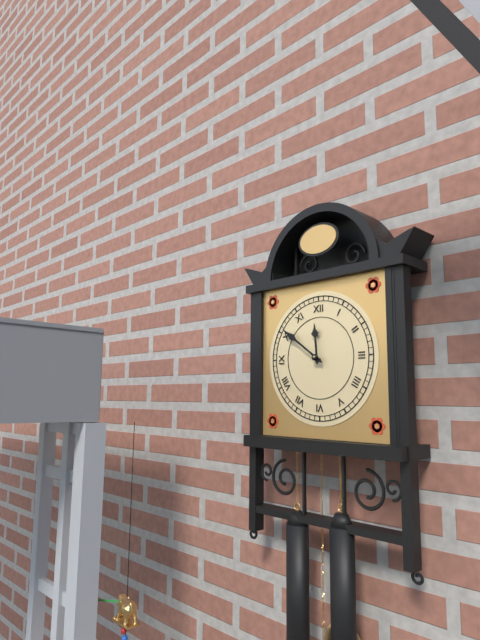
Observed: h=11 m=51
